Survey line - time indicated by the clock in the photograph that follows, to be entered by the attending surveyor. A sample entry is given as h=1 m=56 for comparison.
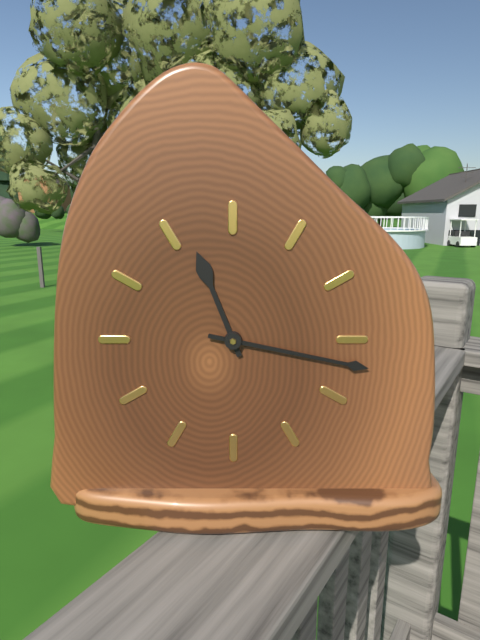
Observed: h=11 m=17
